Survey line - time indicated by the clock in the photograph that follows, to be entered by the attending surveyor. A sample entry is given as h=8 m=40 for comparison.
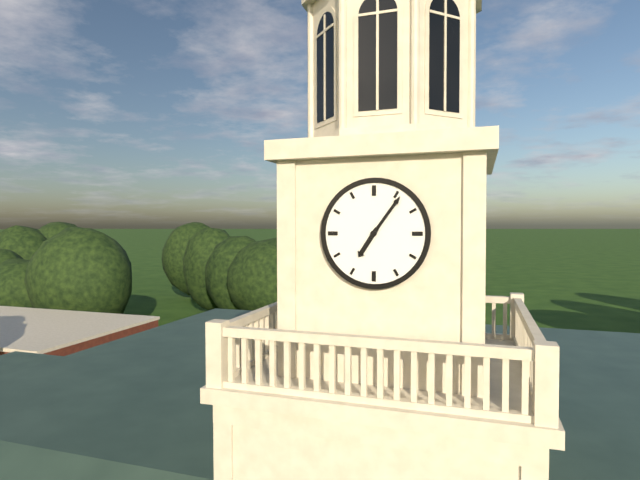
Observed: h=7 m=6
